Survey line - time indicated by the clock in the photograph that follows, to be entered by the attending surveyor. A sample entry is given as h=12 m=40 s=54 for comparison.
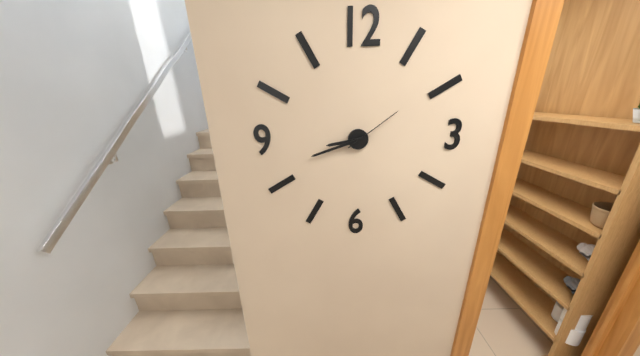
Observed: h=8 m=42 s=9
